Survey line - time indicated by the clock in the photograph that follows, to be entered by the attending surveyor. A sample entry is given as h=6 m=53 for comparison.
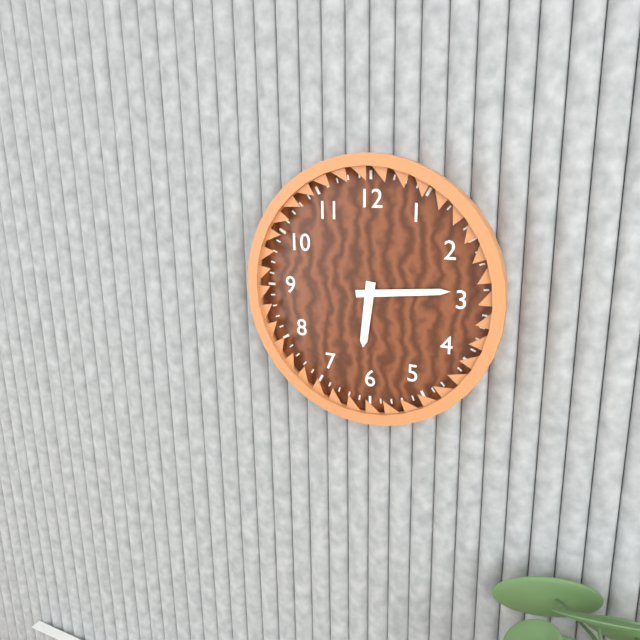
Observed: h=6 m=14
